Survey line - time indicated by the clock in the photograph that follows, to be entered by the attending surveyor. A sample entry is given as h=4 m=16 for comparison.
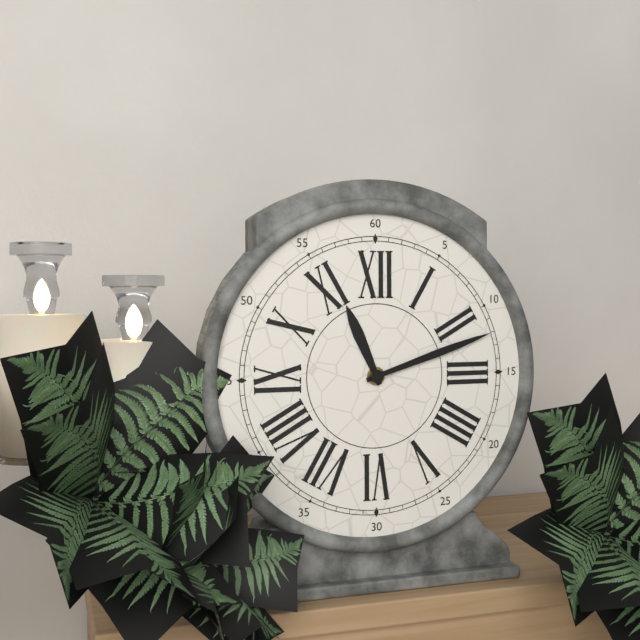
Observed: h=11 m=12
